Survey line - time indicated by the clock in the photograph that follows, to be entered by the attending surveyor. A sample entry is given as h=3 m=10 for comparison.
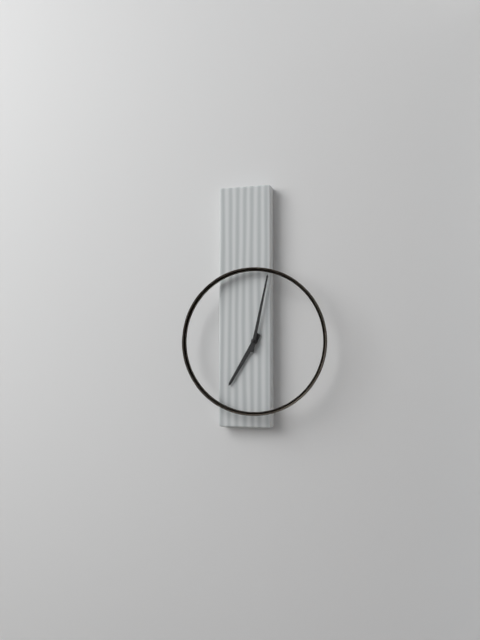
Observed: h=7 m=2
